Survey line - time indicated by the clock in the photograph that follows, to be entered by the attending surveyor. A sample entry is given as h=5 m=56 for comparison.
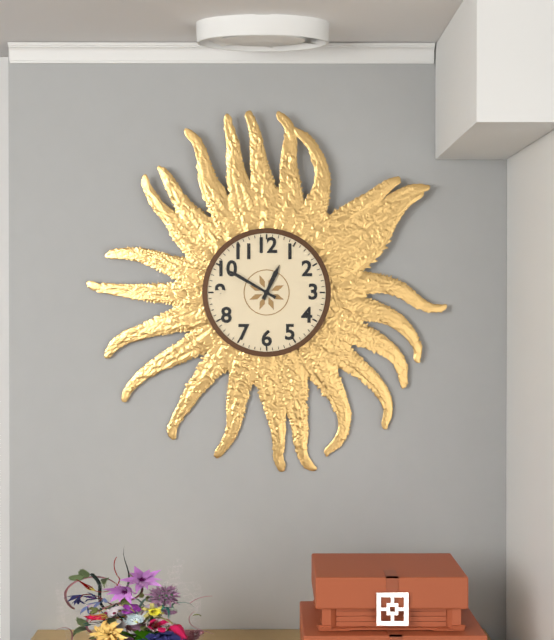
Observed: h=12 m=50
